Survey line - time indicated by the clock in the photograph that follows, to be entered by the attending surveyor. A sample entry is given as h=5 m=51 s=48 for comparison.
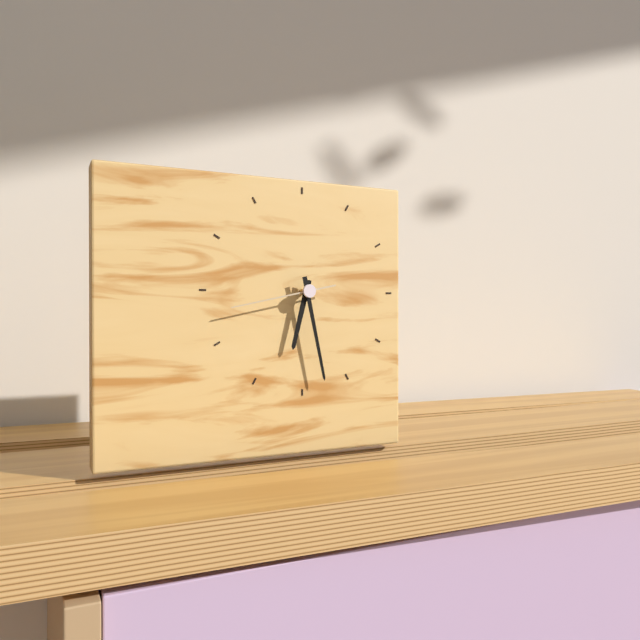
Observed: h=6 m=28 s=43
